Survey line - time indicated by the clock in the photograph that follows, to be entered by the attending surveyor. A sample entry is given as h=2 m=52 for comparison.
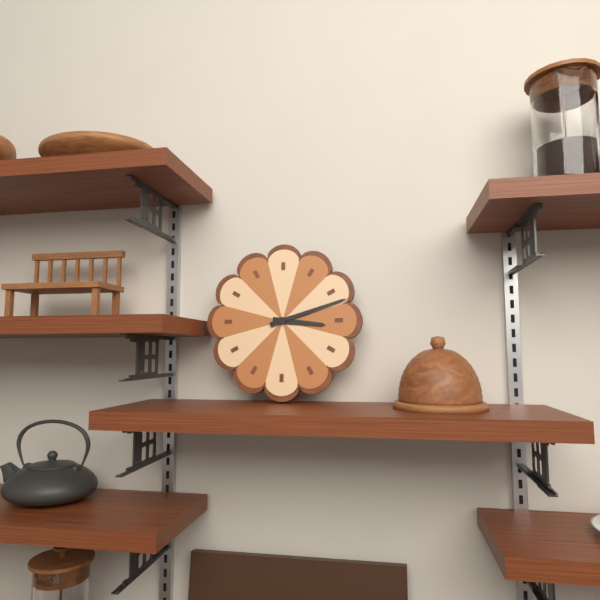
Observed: h=3 m=12
